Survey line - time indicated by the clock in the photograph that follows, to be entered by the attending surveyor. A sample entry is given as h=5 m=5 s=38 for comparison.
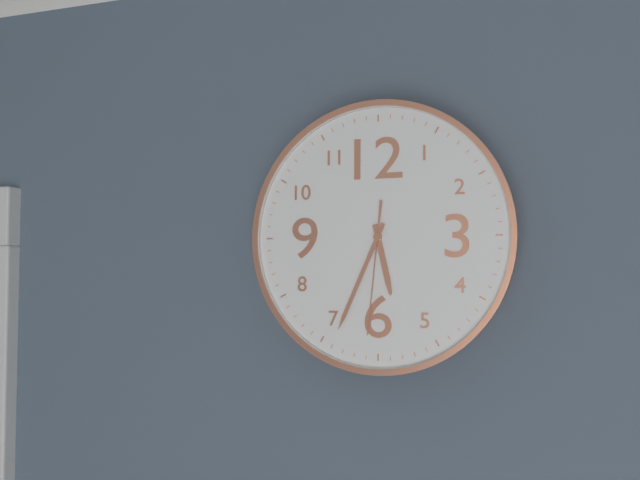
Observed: h=5 m=34 s=31
